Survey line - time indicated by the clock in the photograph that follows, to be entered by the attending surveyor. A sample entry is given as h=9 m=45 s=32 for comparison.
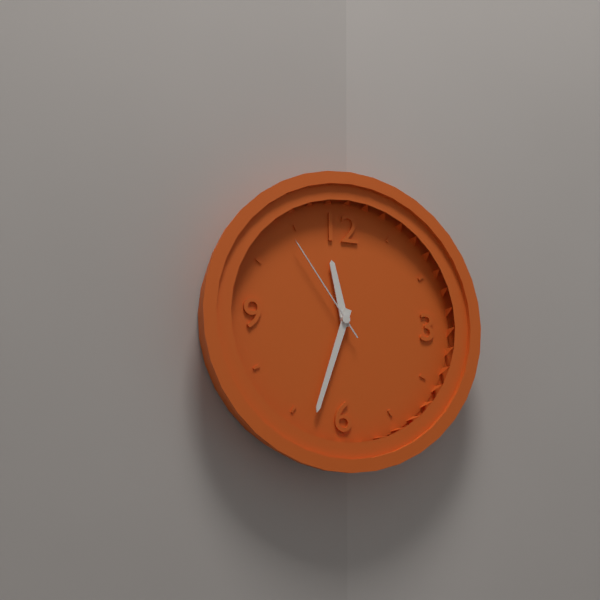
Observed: h=11 m=33 s=54
